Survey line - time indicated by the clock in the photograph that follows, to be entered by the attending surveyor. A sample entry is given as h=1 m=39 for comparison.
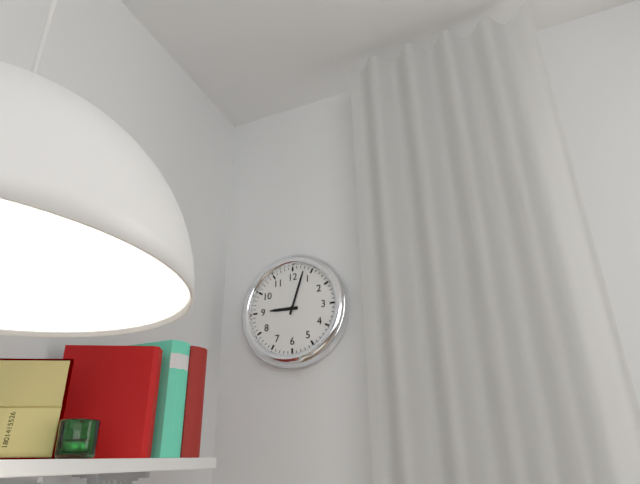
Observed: h=9 m=3
